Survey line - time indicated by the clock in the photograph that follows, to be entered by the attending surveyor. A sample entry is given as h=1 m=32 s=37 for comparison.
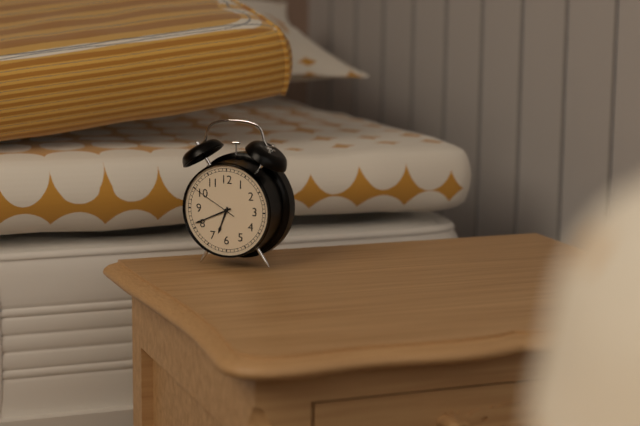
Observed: h=6 m=41 s=50
